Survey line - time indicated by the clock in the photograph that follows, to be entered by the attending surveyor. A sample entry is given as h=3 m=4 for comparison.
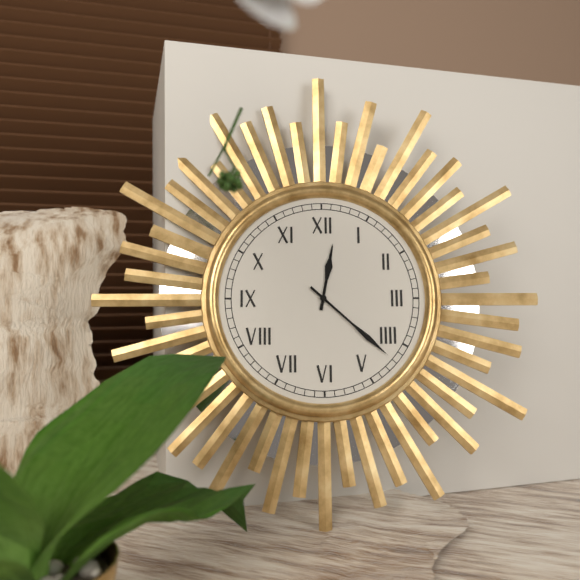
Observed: h=12 m=22
